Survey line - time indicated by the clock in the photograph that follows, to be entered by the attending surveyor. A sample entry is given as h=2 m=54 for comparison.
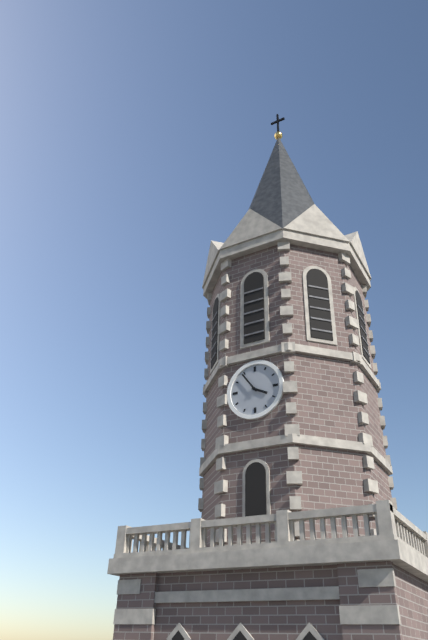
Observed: h=3 m=54
